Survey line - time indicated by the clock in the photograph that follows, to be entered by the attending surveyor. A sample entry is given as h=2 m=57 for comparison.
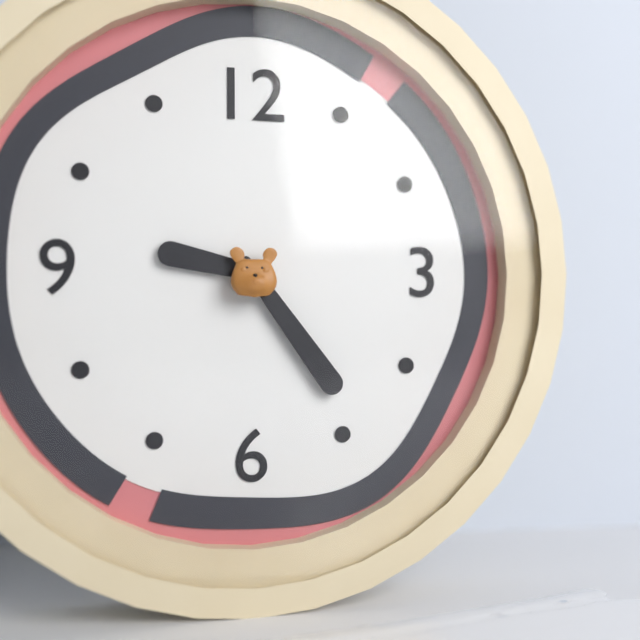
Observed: h=9 m=24
